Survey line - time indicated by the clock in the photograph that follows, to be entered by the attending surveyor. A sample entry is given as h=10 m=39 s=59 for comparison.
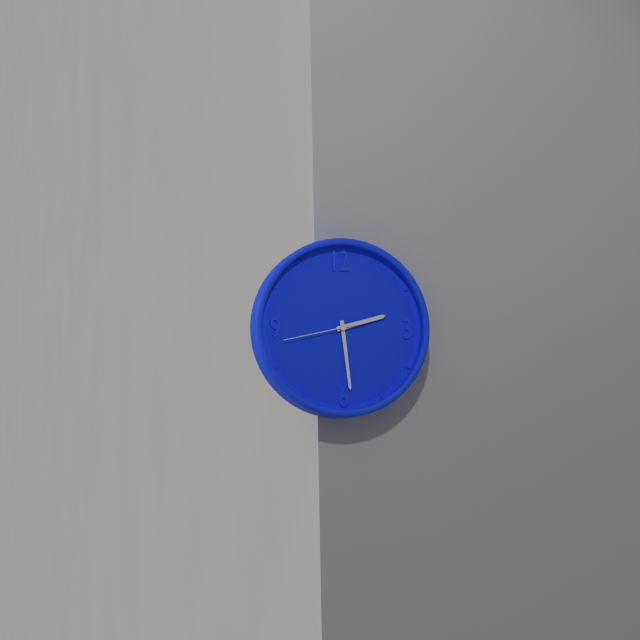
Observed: h=2 m=29 s=43
